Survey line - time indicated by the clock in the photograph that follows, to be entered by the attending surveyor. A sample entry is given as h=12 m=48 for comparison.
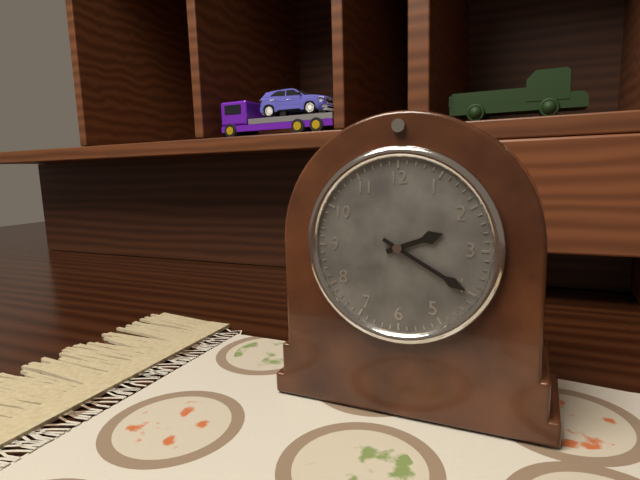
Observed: h=2 m=20
